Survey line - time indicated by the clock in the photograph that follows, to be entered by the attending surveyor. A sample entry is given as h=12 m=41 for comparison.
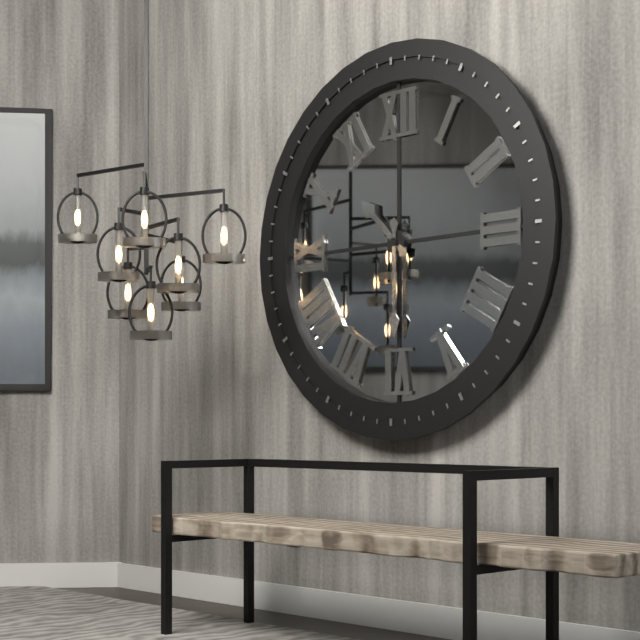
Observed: h=10 m=30
